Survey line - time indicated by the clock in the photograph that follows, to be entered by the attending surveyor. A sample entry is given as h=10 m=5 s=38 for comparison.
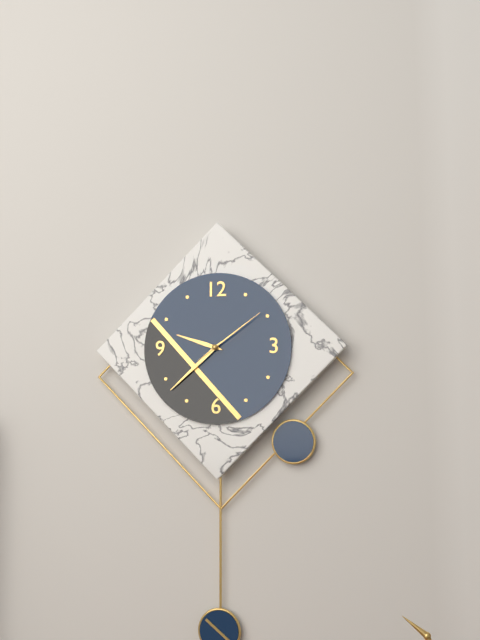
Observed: h=9 m=38 s=9
